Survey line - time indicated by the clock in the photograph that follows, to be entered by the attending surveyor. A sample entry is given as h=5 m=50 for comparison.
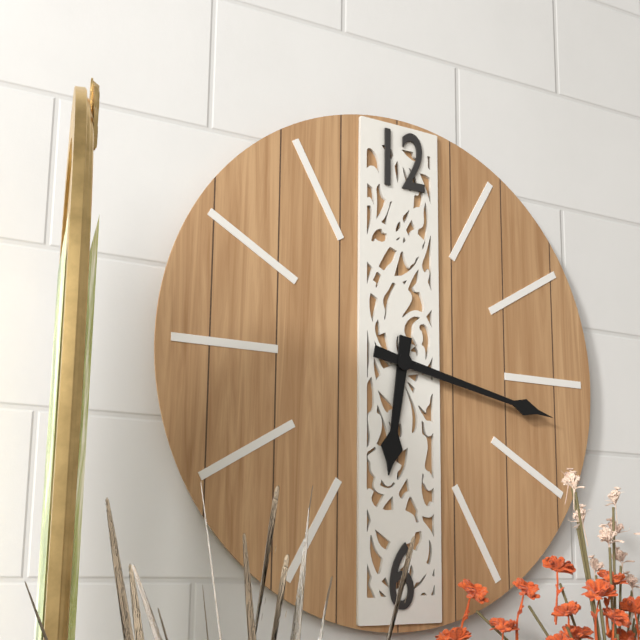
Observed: h=6 m=17
